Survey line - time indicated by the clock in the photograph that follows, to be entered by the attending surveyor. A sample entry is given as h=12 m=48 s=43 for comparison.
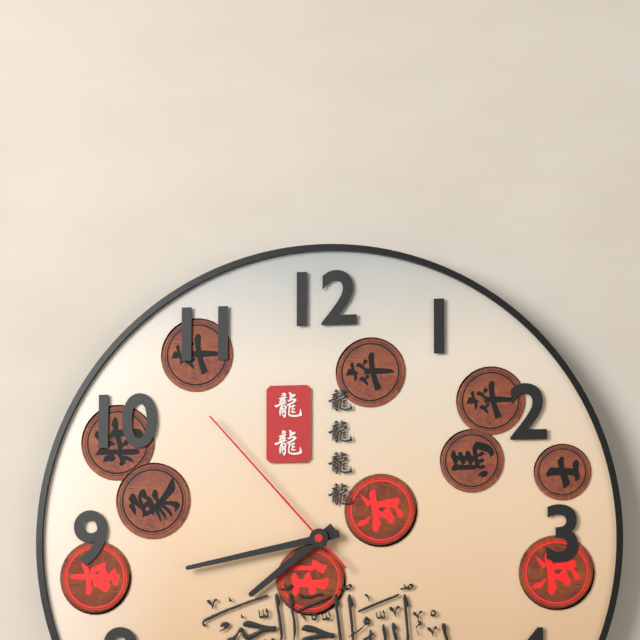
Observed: h=7 m=43 s=53
